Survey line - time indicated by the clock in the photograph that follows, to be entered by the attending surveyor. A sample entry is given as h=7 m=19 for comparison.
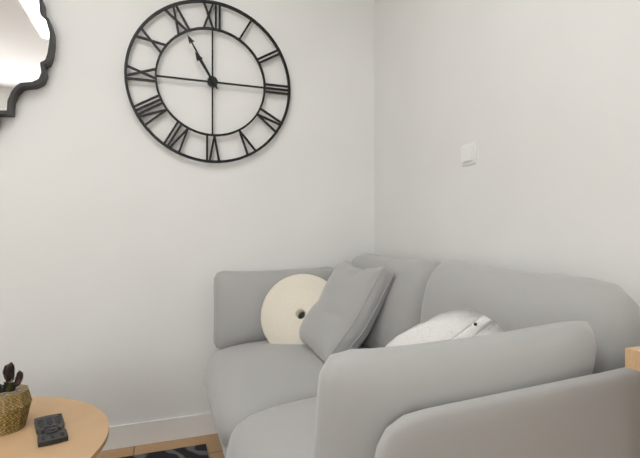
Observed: h=10 m=55
